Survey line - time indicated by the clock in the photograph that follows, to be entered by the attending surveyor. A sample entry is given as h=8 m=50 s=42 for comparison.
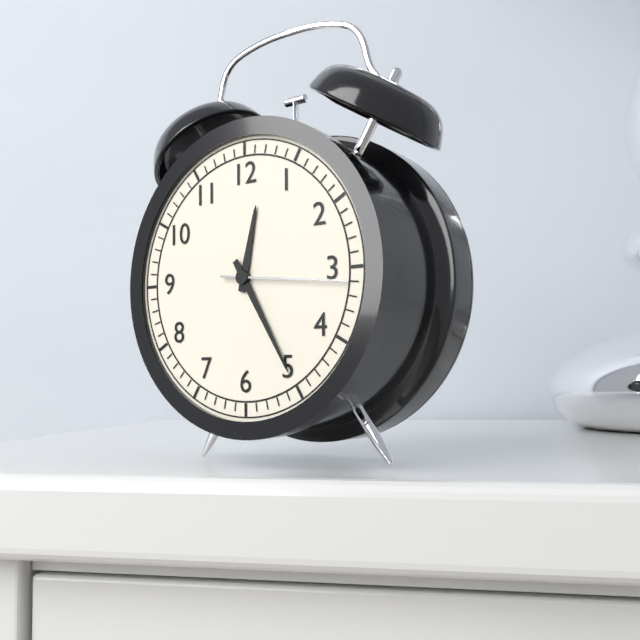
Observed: h=12 m=25 s=16
